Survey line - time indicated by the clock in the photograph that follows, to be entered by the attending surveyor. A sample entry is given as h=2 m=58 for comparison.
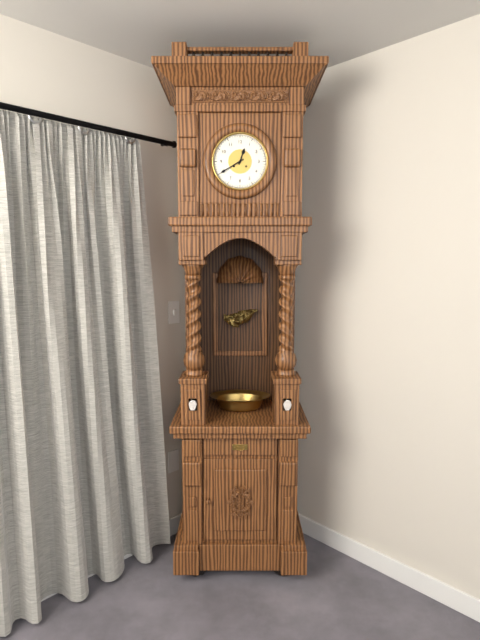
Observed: h=12 m=40
